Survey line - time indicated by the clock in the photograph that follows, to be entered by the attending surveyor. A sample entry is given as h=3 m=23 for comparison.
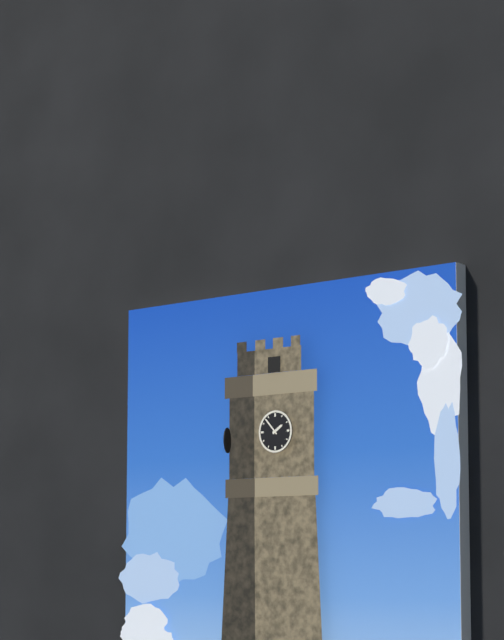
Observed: h=1 m=53
